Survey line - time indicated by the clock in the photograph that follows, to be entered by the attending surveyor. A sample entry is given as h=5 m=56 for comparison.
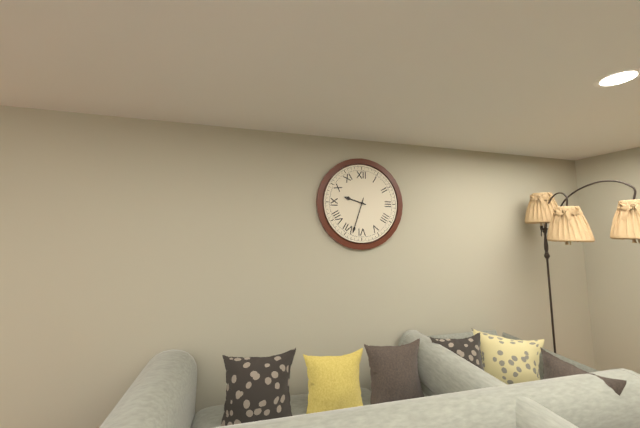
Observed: h=9 m=33
